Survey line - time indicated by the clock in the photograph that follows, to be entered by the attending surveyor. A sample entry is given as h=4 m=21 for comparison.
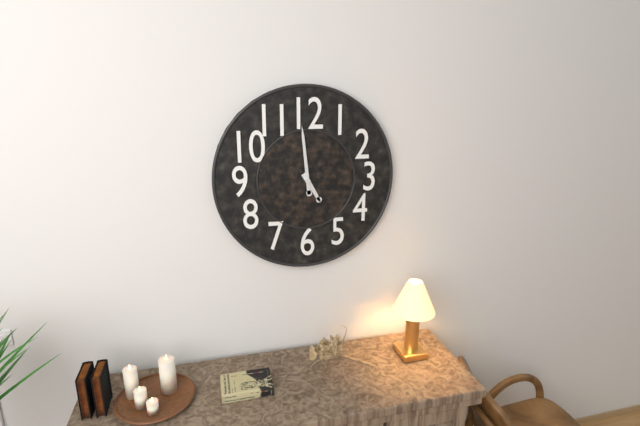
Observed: h=4 m=59
